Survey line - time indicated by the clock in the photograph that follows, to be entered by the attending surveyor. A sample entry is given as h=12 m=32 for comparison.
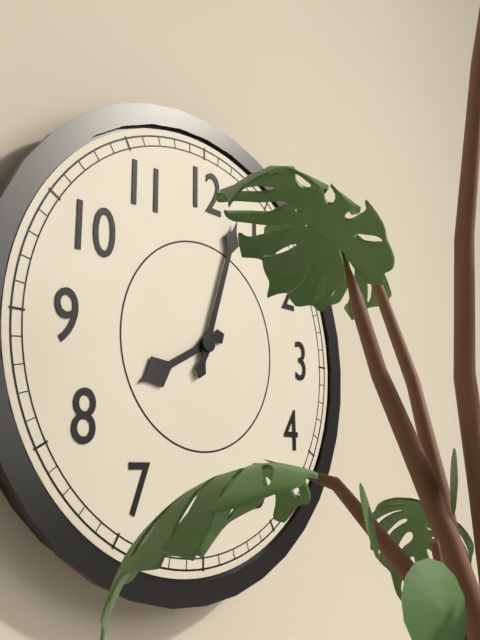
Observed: h=8 m=3
